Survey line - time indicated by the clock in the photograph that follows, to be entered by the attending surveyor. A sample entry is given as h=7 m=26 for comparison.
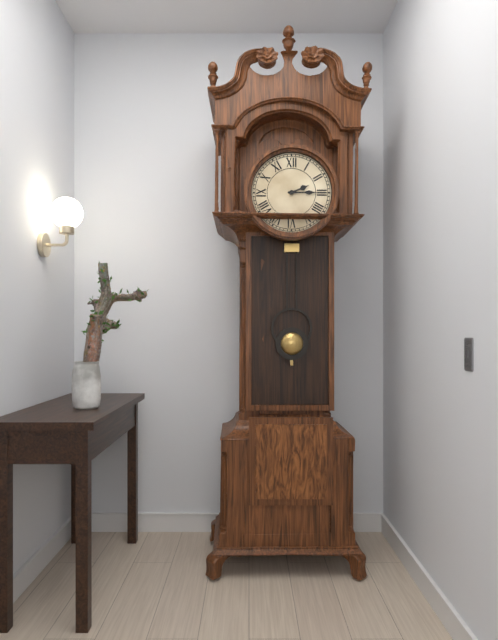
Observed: h=2 m=15
